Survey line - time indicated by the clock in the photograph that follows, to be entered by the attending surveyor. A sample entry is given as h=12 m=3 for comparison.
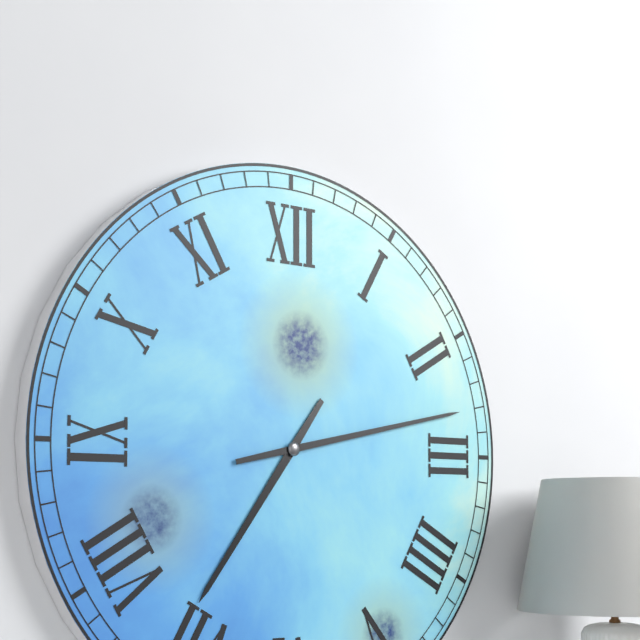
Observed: h=7 m=13
